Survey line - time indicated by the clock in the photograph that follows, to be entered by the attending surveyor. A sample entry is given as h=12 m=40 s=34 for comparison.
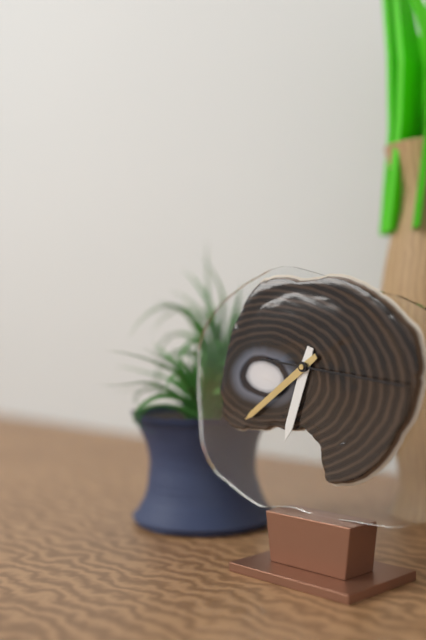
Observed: h=6 m=39 s=16
